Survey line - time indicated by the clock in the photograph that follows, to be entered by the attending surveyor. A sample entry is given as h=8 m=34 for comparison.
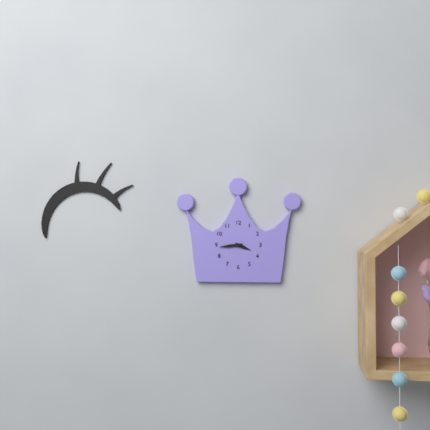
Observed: h=3 m=44
